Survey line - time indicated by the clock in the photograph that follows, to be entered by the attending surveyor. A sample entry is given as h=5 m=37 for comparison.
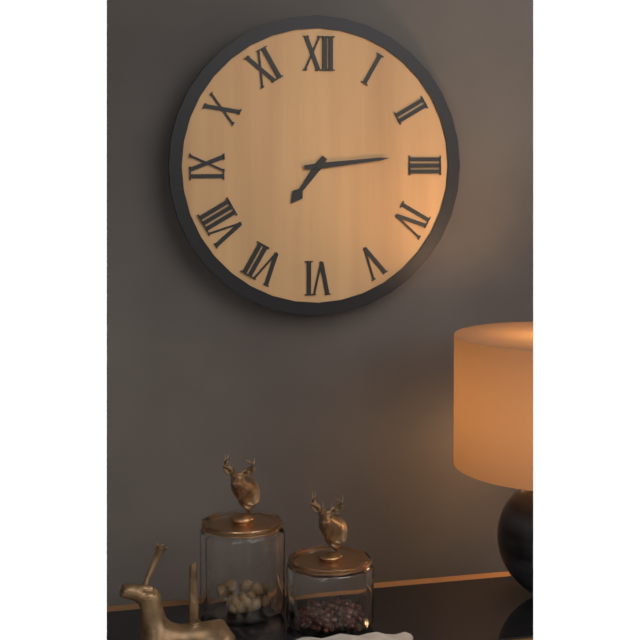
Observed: h=7 m=14
